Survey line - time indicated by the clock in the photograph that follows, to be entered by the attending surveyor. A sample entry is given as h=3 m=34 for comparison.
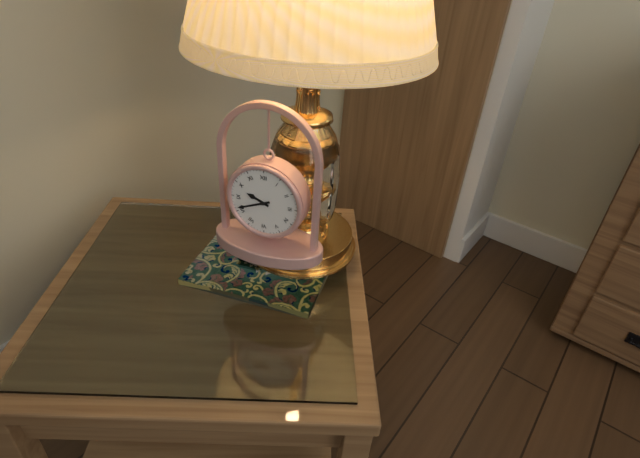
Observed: h=9 m=41
